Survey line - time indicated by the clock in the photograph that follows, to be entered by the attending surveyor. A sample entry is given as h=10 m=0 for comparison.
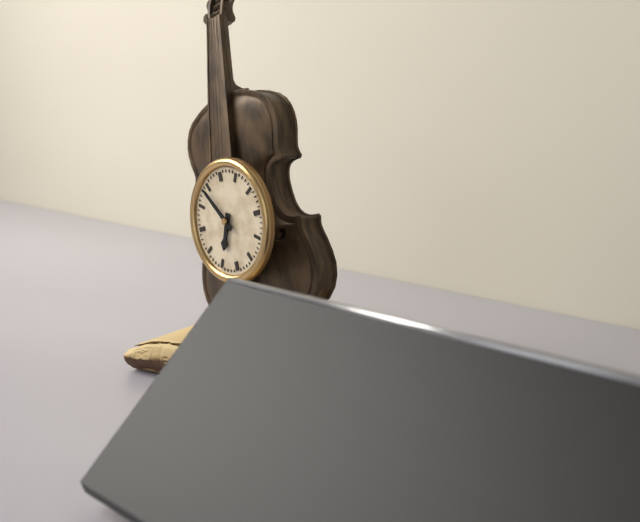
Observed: h=6 m=54
